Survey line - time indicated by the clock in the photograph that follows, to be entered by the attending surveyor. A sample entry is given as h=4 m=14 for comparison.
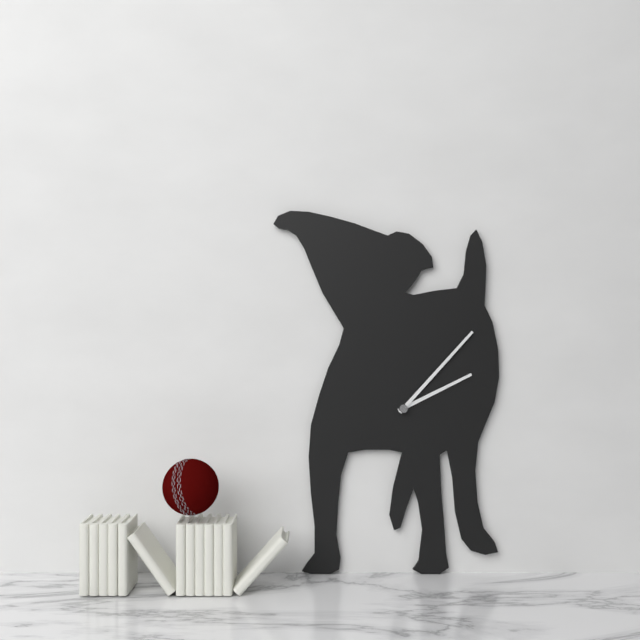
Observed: h=2 m=7
